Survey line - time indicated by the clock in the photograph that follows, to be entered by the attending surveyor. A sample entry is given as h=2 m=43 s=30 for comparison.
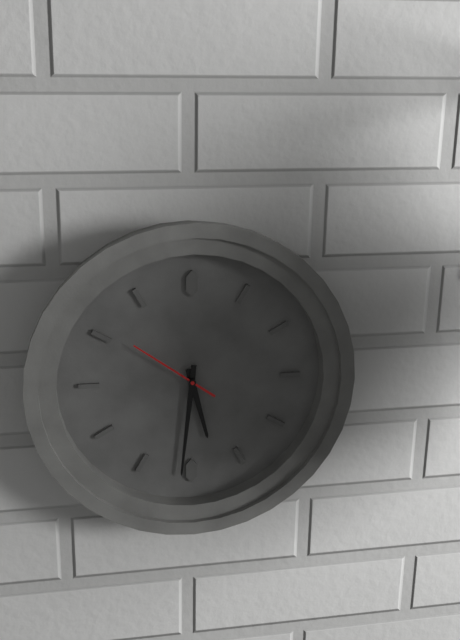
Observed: h=5 m=31 s=51
